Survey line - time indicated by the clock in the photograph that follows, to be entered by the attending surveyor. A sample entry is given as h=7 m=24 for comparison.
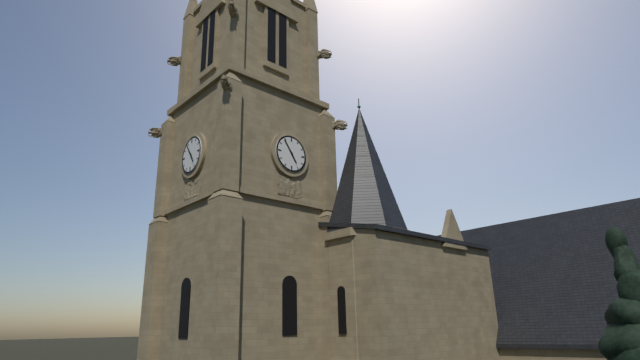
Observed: h=4 m=54
